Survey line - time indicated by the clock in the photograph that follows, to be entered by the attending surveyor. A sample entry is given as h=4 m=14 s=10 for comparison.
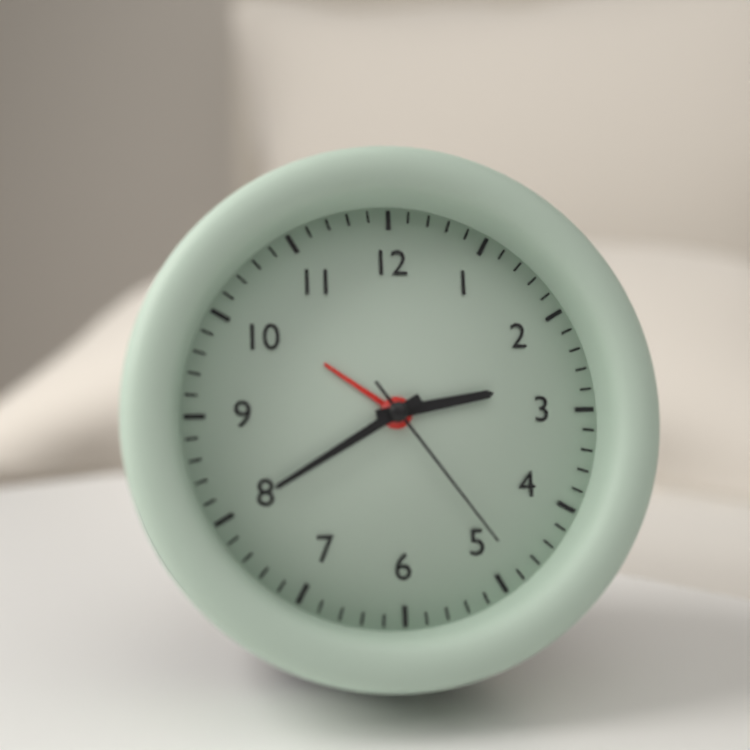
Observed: h=2 m=40 s=24
